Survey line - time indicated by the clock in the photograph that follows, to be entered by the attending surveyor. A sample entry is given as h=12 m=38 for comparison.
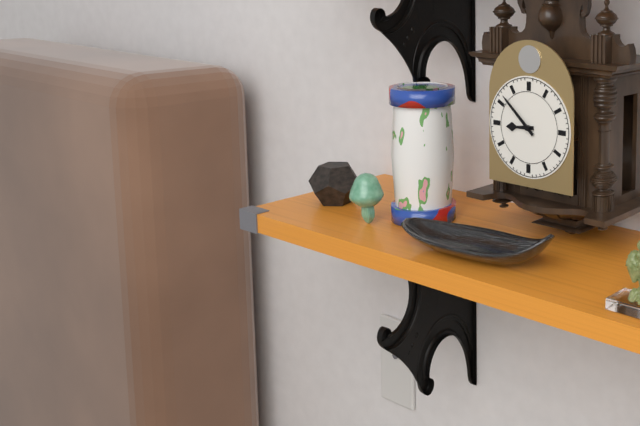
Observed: h=8 m=52
